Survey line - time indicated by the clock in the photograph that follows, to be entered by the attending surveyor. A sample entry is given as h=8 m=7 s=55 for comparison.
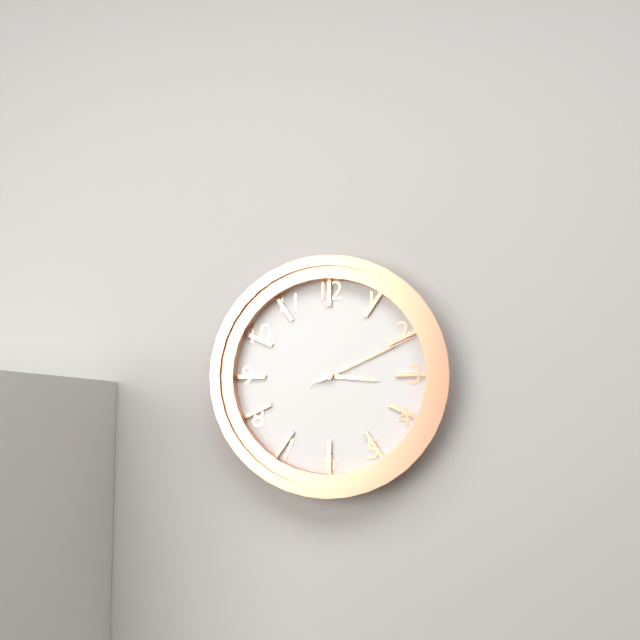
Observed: h=3 m=11 s=11
